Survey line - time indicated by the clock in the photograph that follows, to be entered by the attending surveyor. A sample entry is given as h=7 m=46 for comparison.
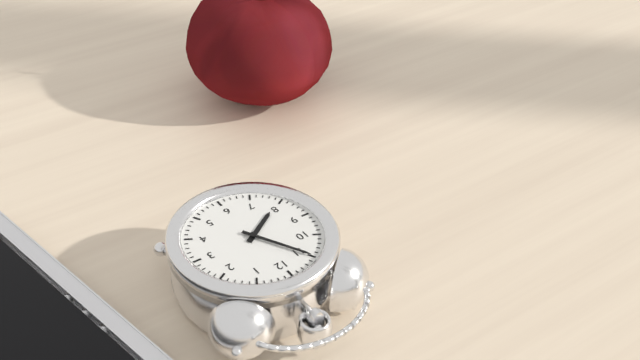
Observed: h=7 m=55
